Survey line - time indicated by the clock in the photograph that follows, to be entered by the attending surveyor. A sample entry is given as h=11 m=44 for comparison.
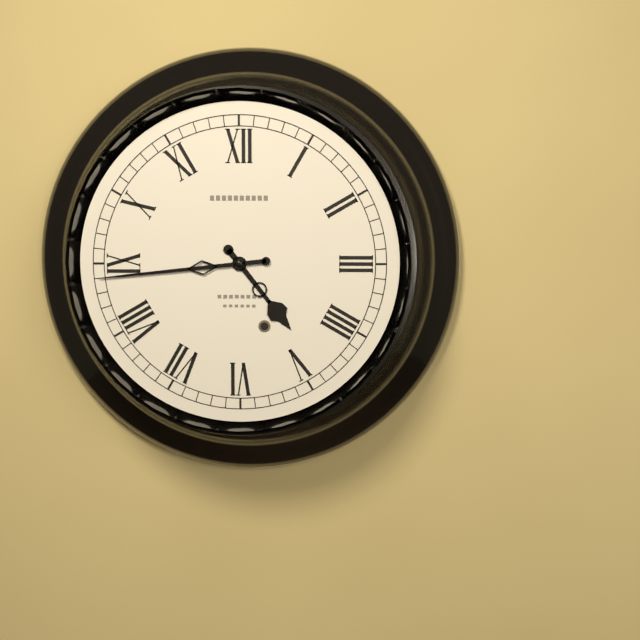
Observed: h=4 m=44
